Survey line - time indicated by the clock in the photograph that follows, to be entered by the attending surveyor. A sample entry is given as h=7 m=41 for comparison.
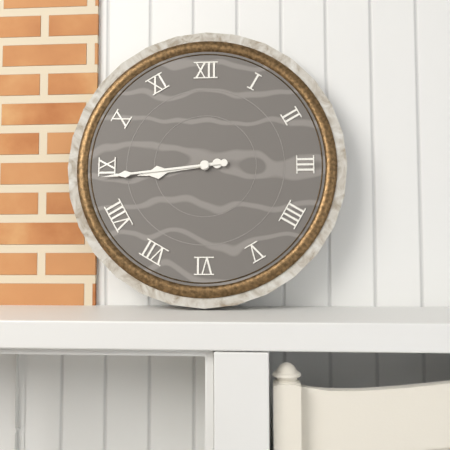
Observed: h=8 m=44
